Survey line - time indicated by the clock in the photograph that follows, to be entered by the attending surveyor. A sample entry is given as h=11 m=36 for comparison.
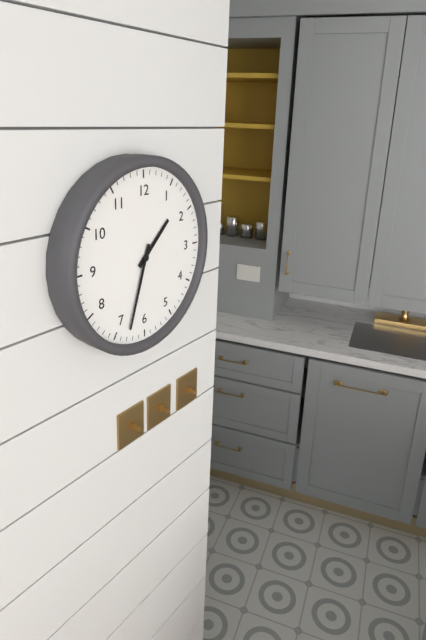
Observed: h=1 m=33
